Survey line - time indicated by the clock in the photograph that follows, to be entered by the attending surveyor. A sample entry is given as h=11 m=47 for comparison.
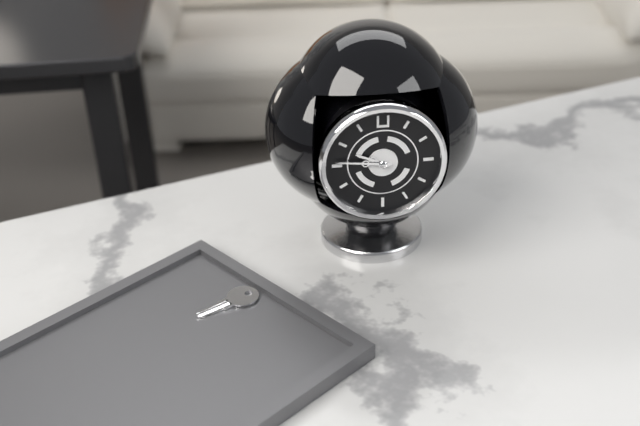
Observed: h=9 m=46
